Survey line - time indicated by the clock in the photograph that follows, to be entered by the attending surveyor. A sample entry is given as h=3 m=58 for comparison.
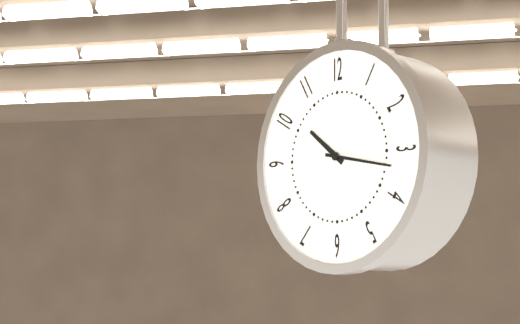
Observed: h=10 m=17
